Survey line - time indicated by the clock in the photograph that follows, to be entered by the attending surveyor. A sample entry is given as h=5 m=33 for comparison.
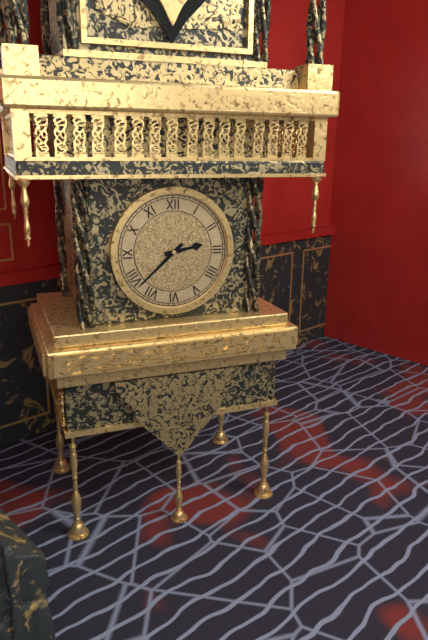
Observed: h=2 m=38
